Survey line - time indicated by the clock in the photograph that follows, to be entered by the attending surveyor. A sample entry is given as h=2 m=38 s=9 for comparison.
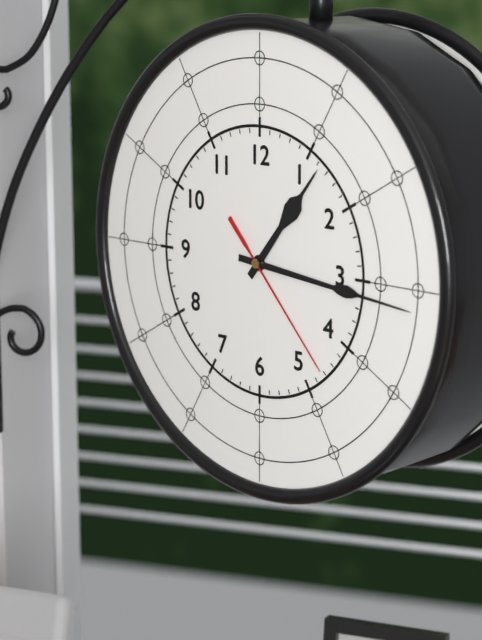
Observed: h=1 m=16 s=23
